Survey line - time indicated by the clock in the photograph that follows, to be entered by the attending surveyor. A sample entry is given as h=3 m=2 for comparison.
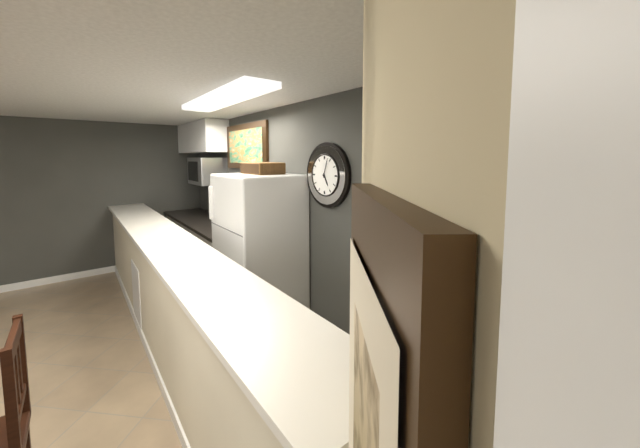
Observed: h=5 m=3
